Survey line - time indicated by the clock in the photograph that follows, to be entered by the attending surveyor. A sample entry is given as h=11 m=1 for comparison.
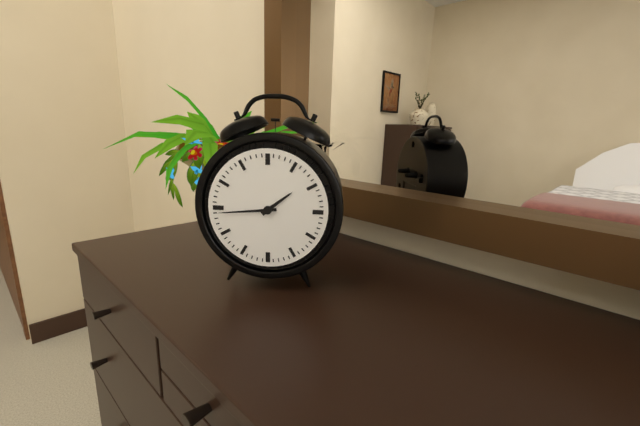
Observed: h=1 m=44
